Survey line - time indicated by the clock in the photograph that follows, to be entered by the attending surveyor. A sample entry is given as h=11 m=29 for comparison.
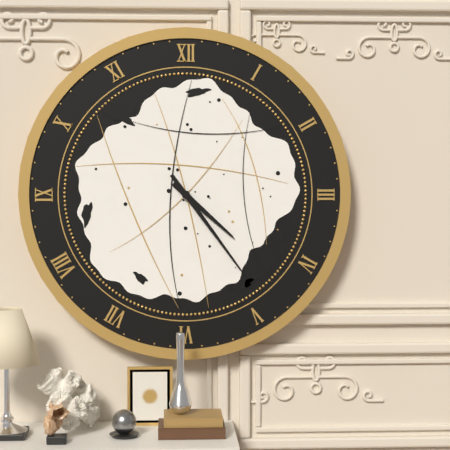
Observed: h=4 m=24
